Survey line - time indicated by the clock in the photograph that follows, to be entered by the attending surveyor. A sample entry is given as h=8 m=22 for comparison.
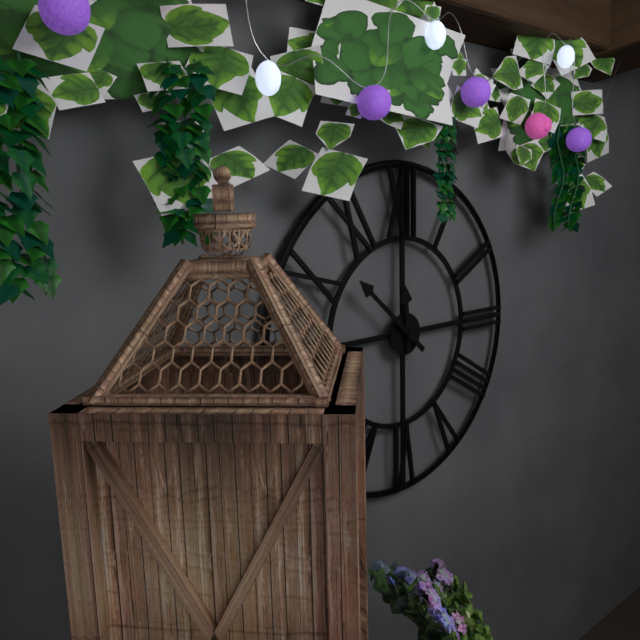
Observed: h=11 m=52
